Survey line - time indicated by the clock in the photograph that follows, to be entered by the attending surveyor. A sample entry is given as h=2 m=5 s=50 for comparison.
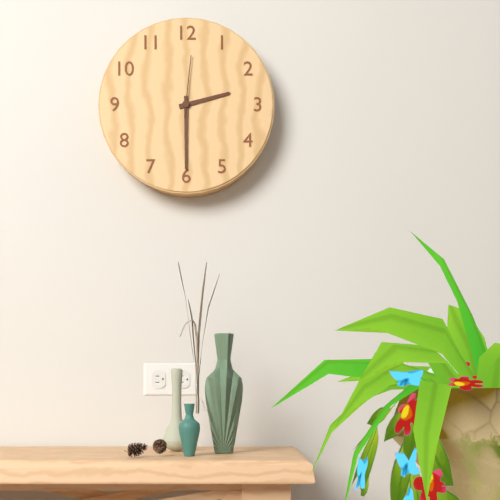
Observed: h=2 m=30 s=1
